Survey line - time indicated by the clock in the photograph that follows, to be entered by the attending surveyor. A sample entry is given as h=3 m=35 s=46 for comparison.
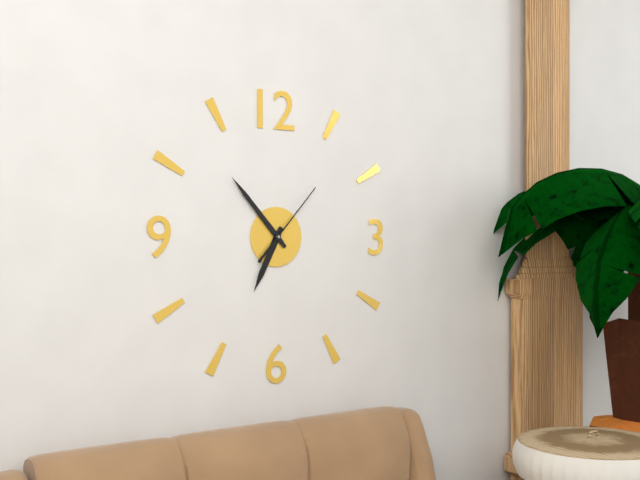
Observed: h=6 m=53 s=7
